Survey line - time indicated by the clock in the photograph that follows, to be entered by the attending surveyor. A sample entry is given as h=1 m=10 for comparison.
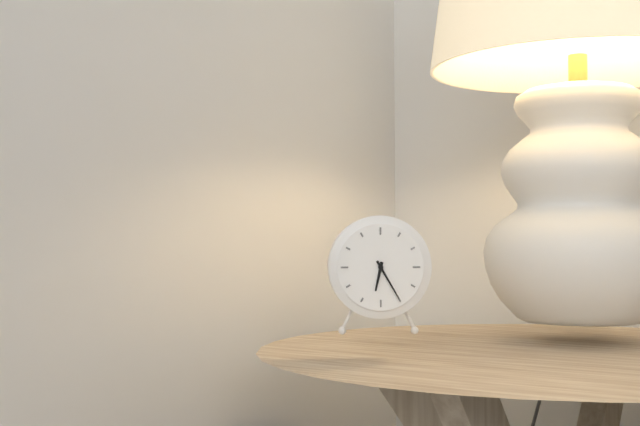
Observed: h=6 m=25
